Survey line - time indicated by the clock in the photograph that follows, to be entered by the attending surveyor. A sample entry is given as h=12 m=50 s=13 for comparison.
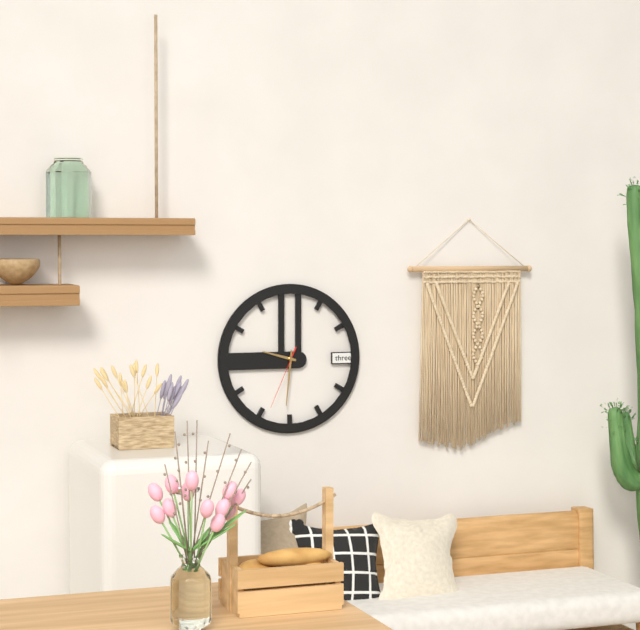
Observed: h=9 m=31 s=34
